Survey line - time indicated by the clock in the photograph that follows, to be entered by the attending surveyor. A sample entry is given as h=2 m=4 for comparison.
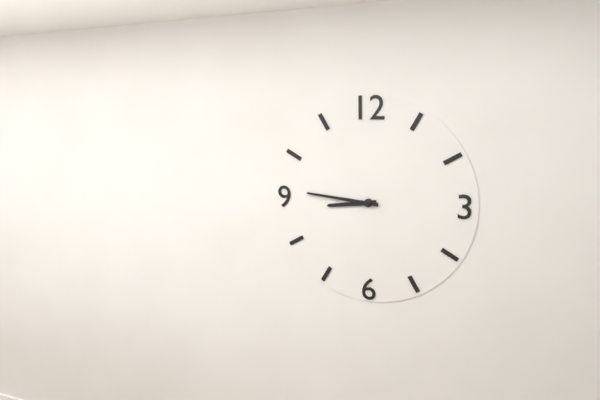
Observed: h=8 m=46
